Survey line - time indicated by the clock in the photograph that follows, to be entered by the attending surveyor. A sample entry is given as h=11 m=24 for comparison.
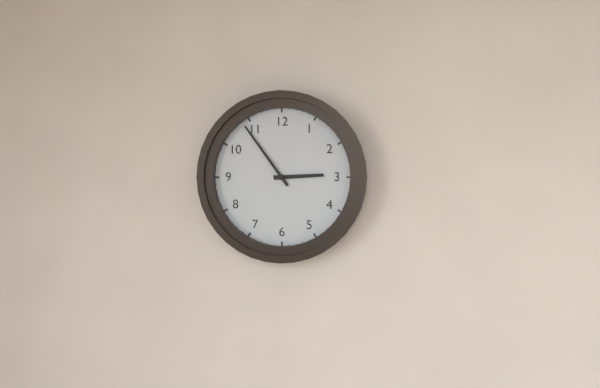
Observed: h=2 m=54
